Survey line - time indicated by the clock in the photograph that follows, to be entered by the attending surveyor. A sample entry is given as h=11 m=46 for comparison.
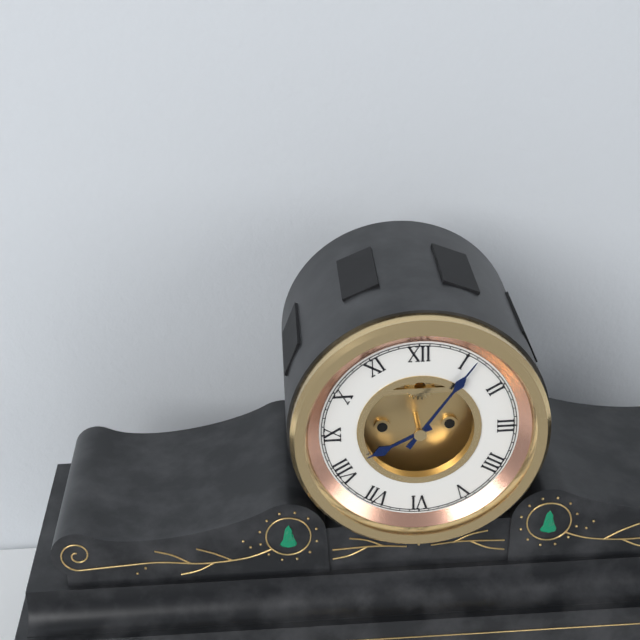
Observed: h=8 m=6
